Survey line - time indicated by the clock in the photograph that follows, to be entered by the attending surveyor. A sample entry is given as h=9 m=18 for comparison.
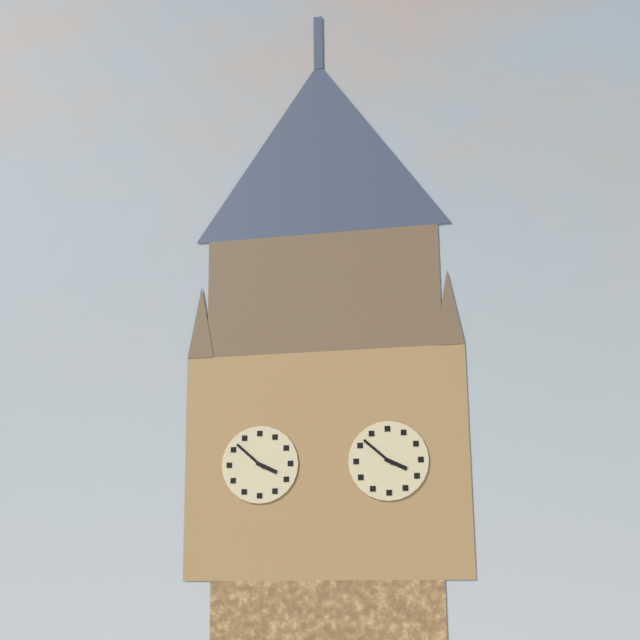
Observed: h=3 m=52
